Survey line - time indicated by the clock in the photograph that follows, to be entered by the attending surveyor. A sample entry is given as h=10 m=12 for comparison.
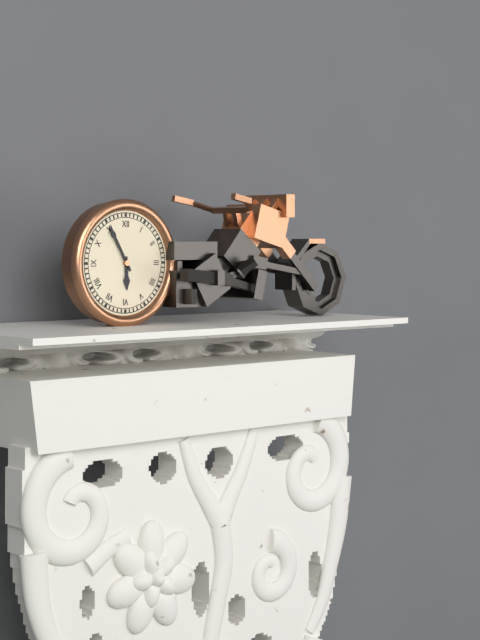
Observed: h=5 m=55
